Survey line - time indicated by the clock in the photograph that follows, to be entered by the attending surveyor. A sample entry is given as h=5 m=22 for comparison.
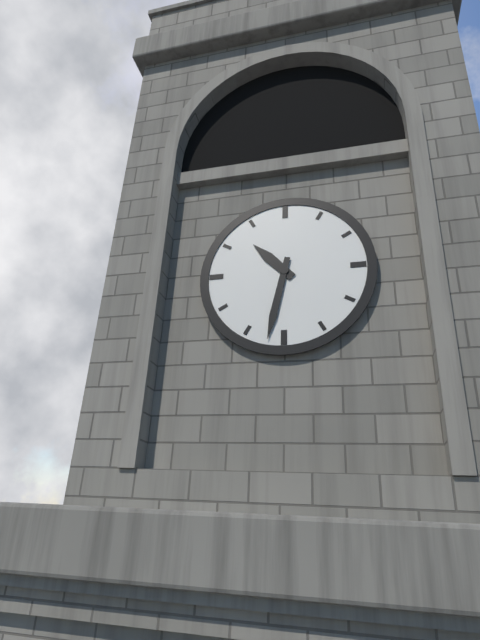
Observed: h=10 m=32
